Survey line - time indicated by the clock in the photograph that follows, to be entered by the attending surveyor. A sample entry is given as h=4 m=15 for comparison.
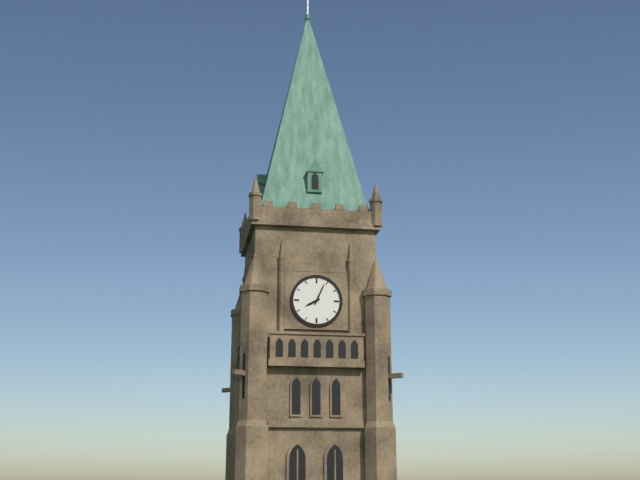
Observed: h=8 m=4
